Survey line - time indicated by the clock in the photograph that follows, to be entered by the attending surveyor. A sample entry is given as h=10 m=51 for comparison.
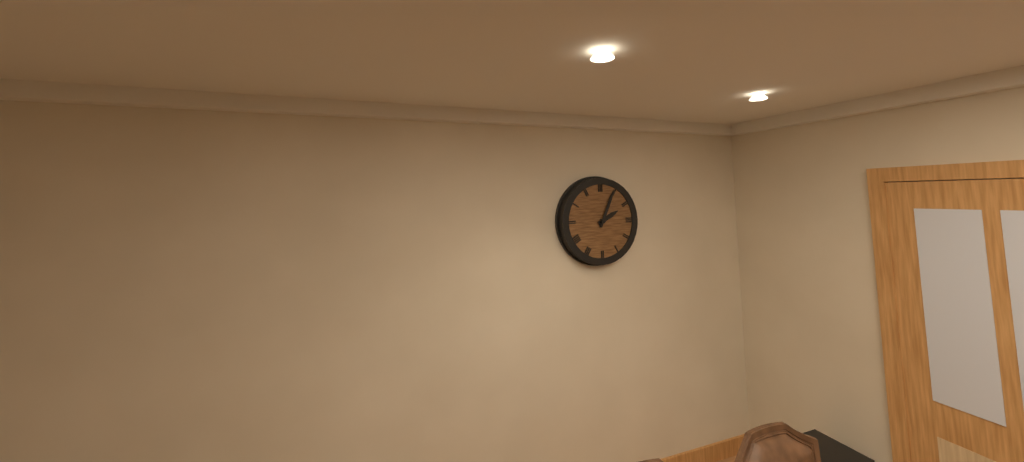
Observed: h=2 m=4
